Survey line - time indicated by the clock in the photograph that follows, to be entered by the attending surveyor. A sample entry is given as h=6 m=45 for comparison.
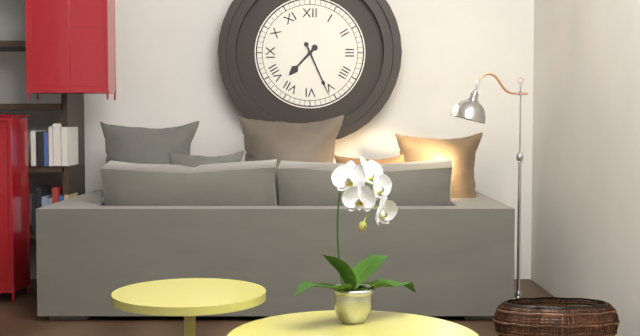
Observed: h=7 m=26
